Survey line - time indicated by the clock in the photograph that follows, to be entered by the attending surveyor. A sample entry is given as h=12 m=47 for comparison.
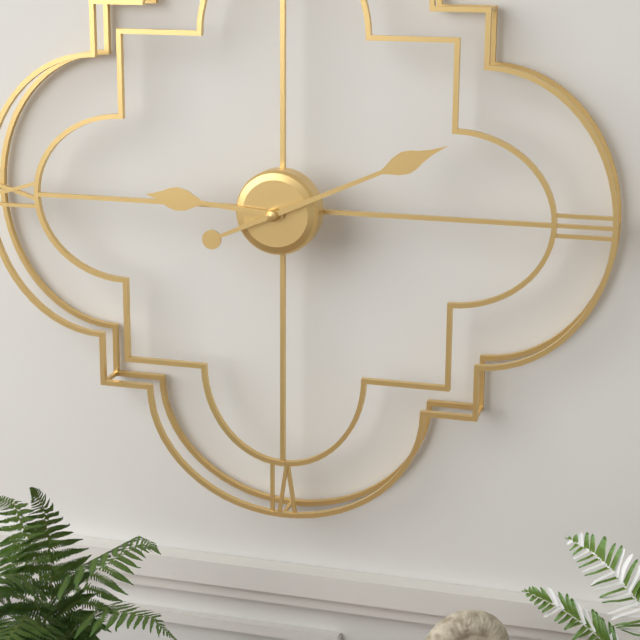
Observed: h=9 m=11
